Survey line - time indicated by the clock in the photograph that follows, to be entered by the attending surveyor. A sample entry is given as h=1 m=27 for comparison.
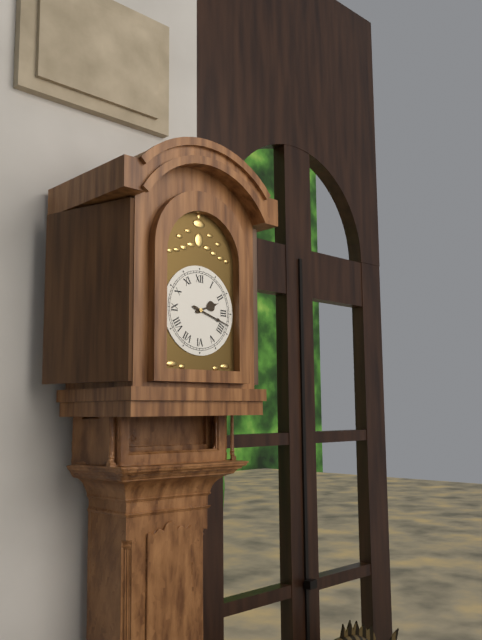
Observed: h=2 m=18
